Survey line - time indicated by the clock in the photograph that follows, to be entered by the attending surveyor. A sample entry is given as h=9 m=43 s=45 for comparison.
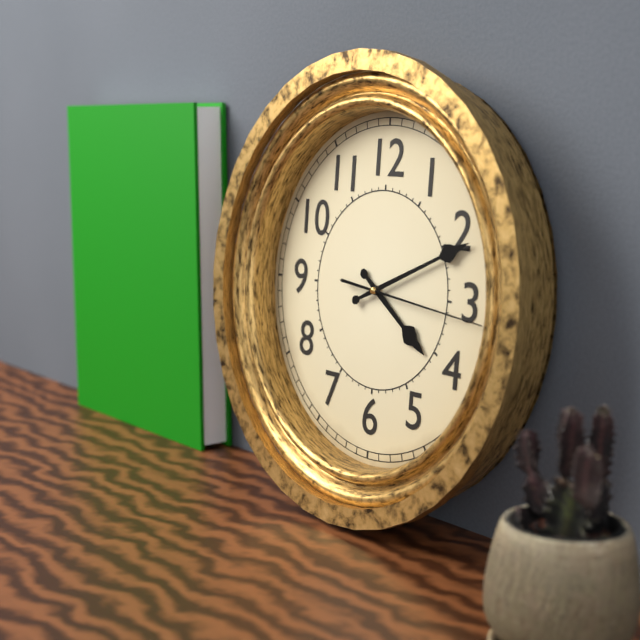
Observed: h=4 m=11 s=16
